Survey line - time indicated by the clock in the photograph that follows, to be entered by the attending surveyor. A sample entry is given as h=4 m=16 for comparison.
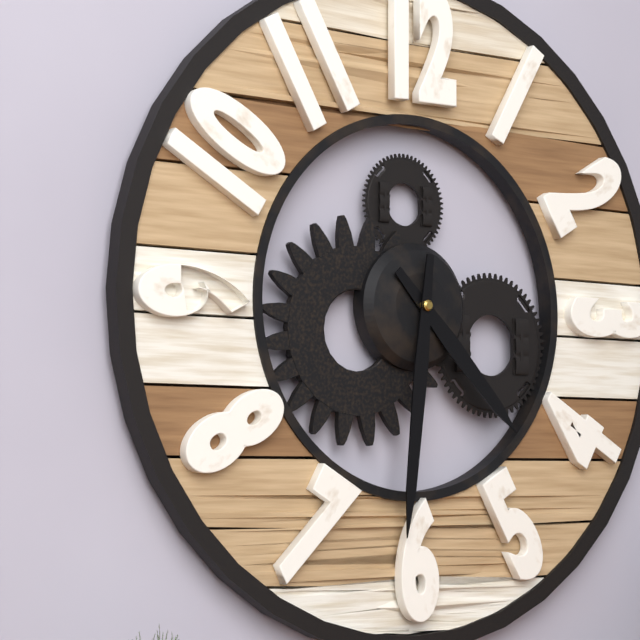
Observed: h=4 m=31
